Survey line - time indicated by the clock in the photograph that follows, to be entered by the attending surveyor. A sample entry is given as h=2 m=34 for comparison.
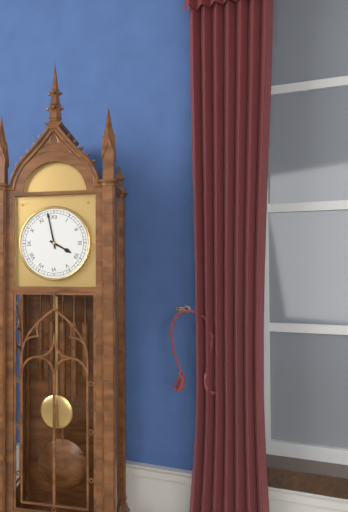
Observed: h=3 m=58
